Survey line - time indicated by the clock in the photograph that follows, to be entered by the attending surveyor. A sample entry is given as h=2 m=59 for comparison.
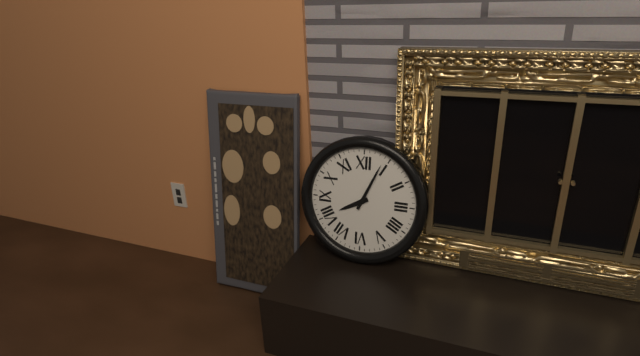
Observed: h=8 m=4
